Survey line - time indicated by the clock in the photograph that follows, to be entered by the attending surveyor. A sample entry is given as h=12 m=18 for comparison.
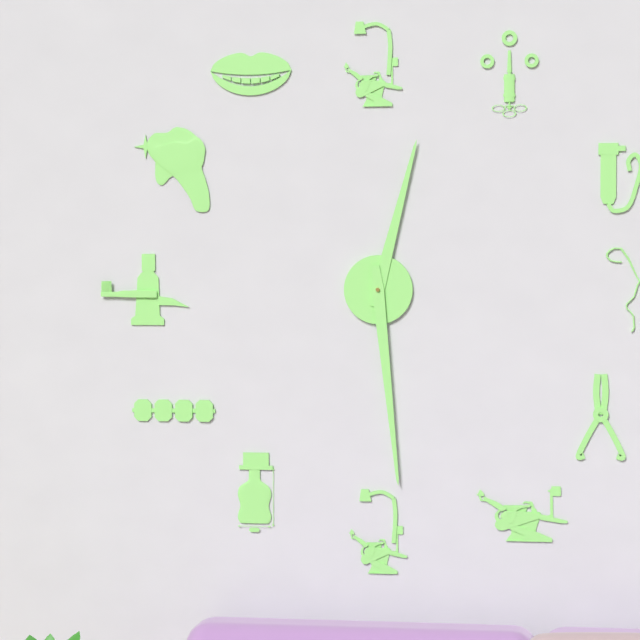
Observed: h=12 m=29
